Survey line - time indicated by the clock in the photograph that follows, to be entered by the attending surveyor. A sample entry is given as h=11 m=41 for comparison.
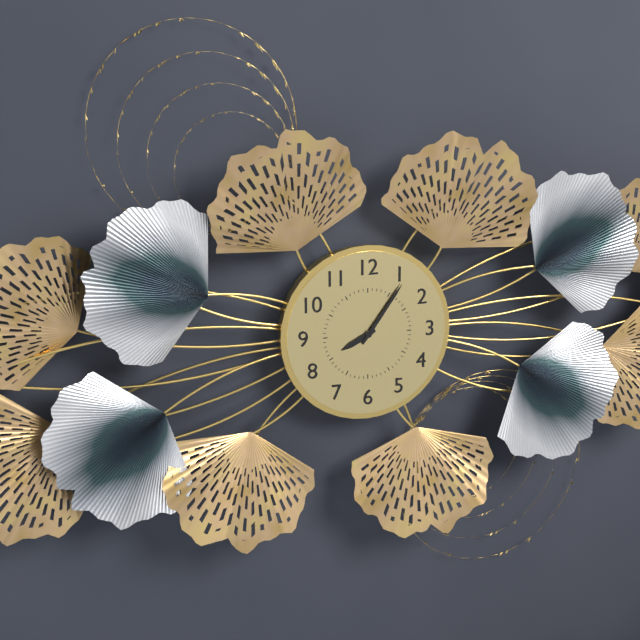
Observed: h=8 m=6
